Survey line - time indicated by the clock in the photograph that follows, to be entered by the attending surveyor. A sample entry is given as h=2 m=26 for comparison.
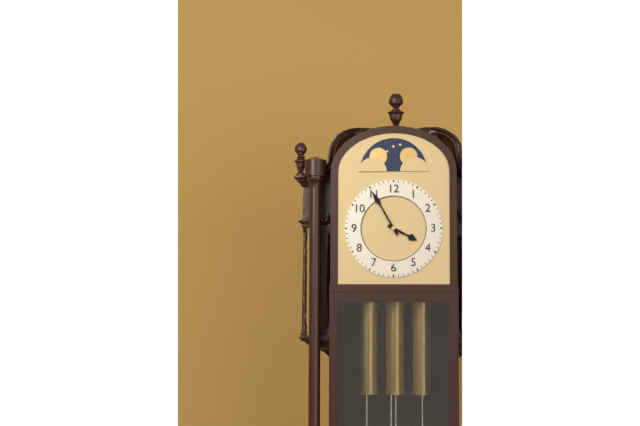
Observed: h=3 m=55
